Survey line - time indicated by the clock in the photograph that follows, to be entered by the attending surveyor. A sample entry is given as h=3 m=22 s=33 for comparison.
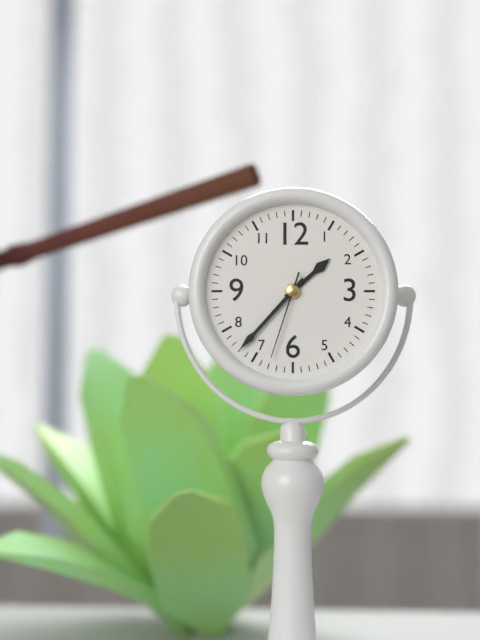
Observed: h=1 m=37 s=33
